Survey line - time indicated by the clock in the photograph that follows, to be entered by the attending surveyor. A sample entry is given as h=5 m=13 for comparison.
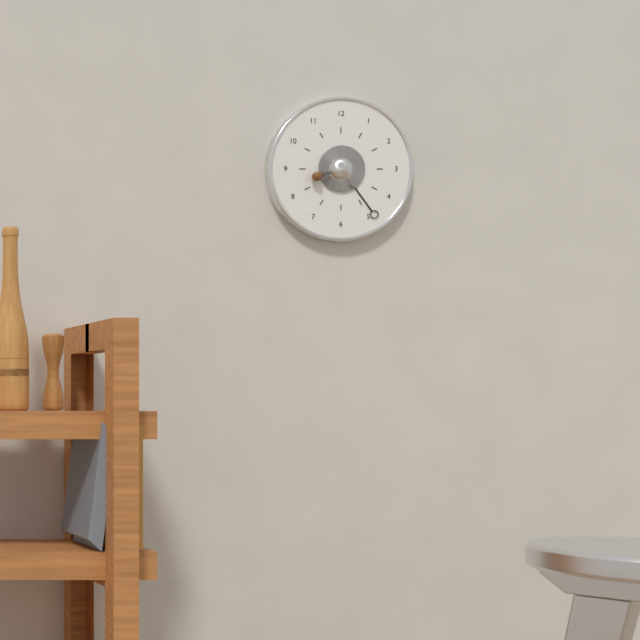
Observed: h=8 m=24
